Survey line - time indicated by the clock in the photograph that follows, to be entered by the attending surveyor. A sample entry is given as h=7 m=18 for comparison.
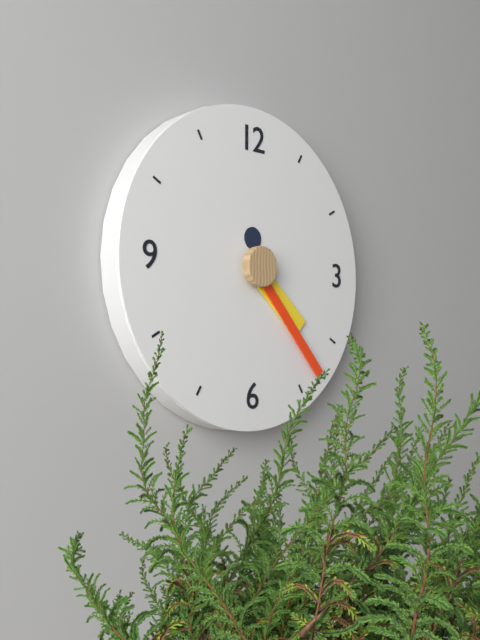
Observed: h=4 m=23
